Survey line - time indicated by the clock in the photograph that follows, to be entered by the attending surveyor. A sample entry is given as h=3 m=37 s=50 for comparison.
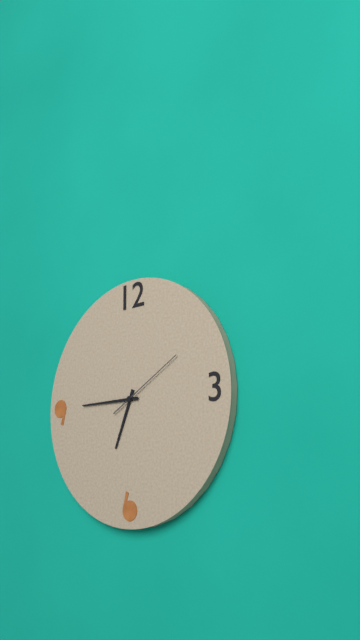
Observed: h=6 m=45 s=10
